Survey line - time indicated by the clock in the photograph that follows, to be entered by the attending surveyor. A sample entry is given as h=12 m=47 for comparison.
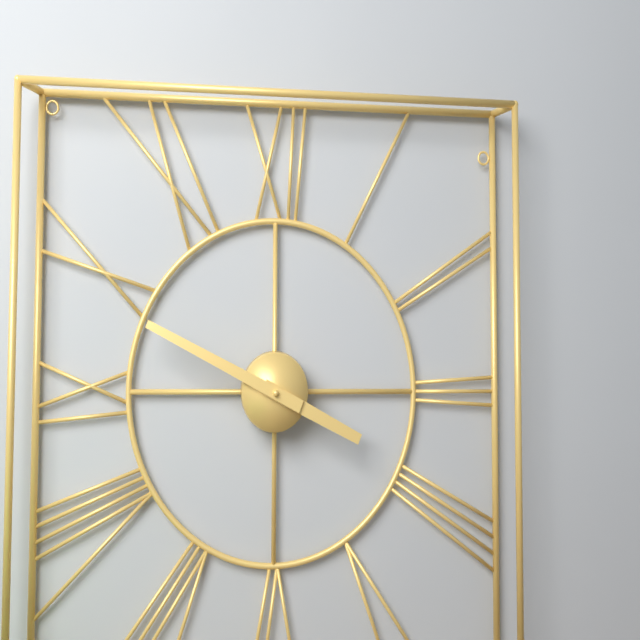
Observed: h=3 m=49
